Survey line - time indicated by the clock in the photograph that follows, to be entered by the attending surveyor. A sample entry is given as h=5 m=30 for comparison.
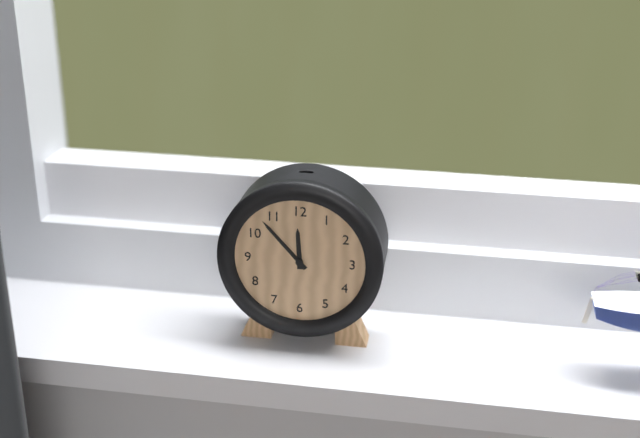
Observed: h=11 m=53
